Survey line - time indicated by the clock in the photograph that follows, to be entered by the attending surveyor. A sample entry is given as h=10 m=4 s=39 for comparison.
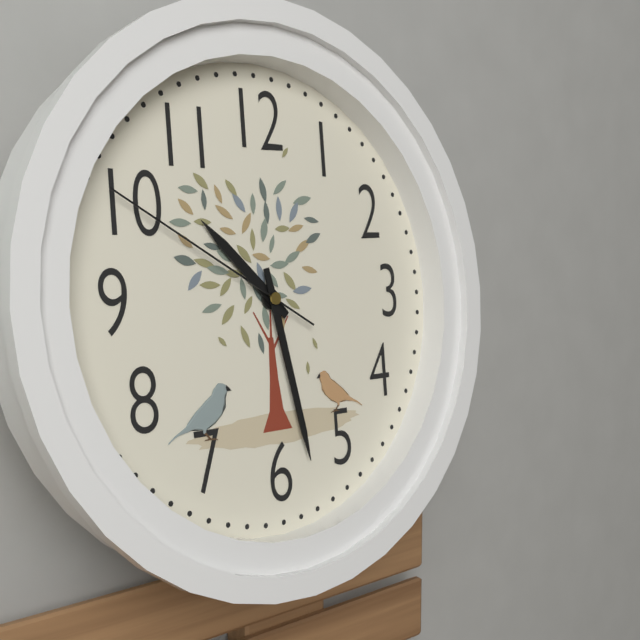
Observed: h=10 m=28 s=50
